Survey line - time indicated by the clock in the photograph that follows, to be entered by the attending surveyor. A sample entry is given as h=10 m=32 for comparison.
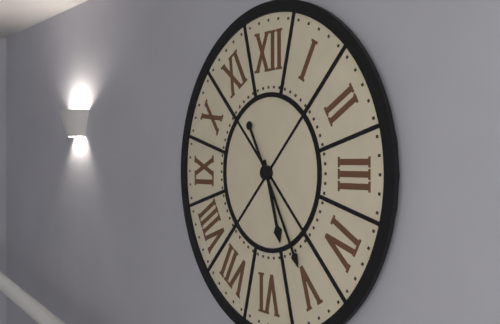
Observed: h=5 m=25
